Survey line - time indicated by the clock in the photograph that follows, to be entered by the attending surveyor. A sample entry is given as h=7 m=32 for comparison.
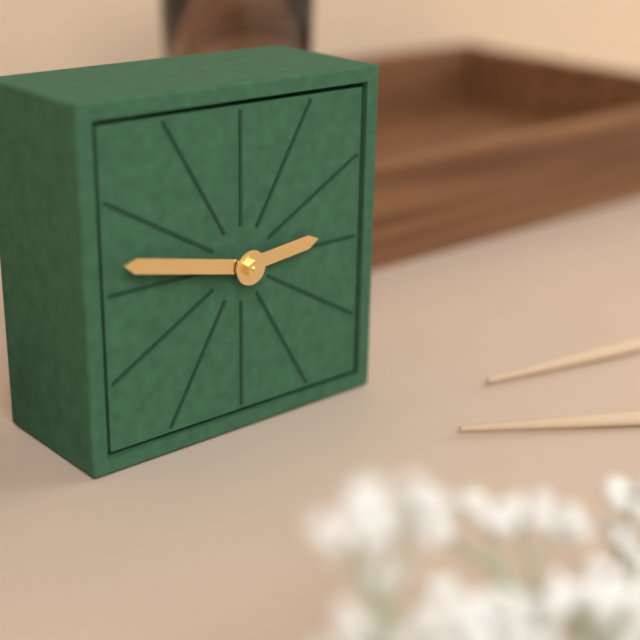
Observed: h=2 m=47
